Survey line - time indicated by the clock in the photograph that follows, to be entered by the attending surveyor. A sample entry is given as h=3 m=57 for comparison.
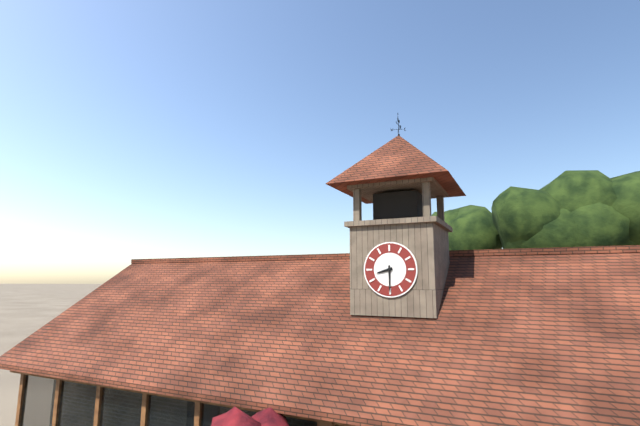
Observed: h=8 m=30
